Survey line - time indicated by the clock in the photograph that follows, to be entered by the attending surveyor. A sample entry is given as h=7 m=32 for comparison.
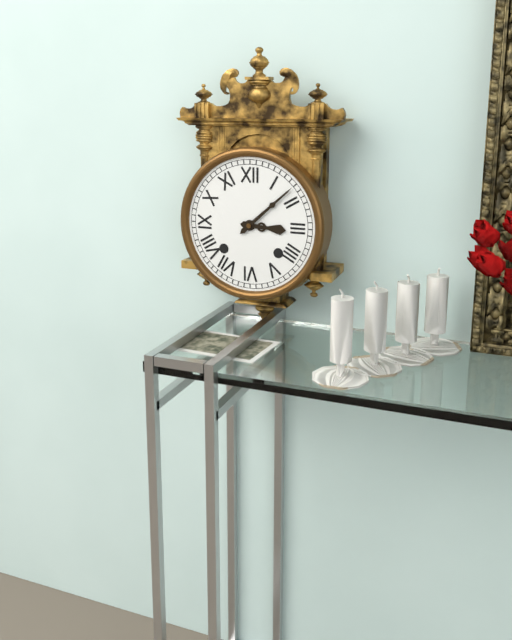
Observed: h=3 m=8
